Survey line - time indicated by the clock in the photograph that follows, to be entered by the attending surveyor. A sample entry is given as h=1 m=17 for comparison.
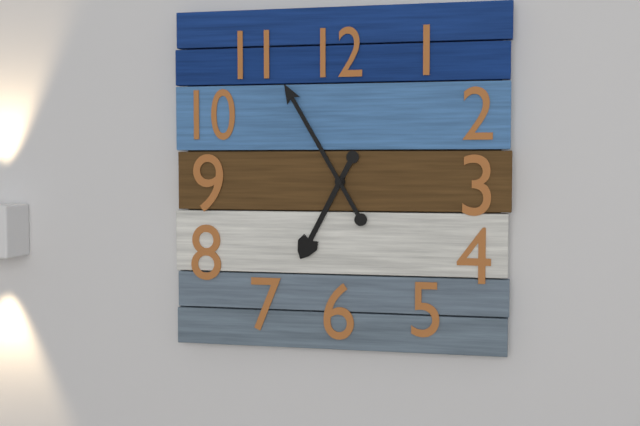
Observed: h=6 m=55
